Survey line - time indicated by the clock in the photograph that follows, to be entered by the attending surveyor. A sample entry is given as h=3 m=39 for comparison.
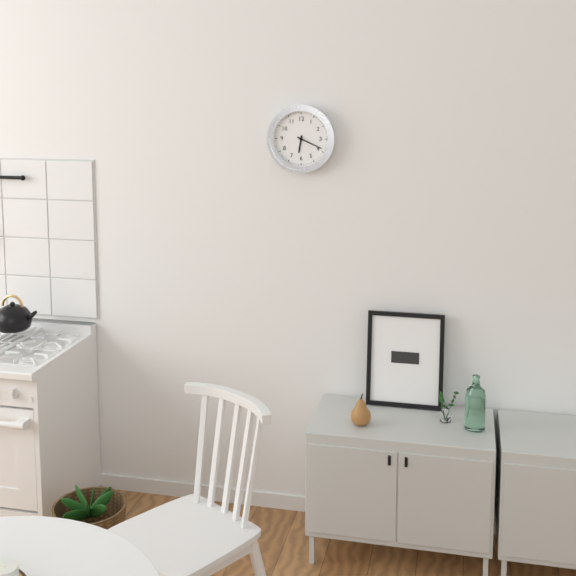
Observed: h=6 m=19
